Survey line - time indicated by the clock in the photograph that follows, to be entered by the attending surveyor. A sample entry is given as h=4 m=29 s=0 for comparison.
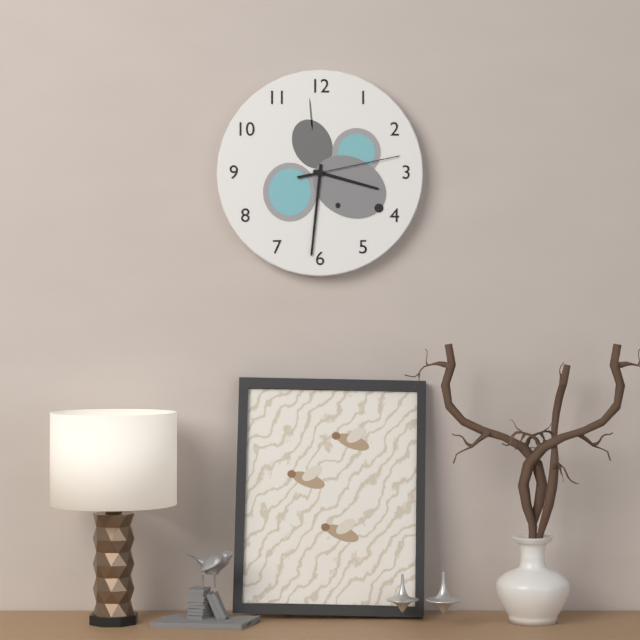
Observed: h=3 m=31 s=13
